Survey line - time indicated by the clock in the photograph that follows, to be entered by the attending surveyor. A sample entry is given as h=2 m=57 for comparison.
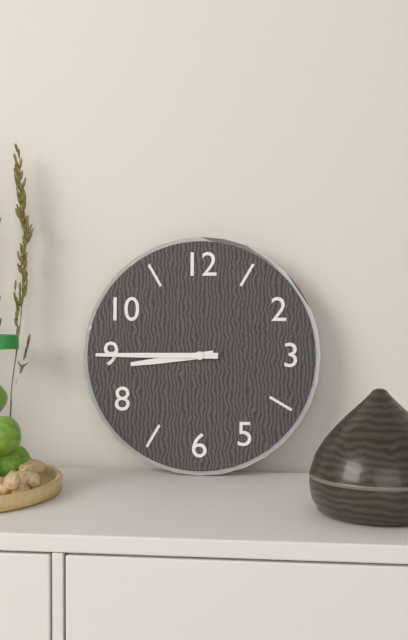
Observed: h=8 m=45
